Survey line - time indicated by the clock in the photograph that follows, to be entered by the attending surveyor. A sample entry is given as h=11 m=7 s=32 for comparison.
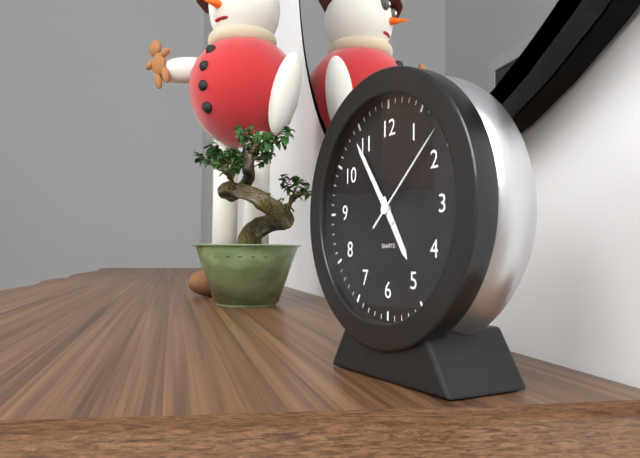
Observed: h=4 m=54 s=8
